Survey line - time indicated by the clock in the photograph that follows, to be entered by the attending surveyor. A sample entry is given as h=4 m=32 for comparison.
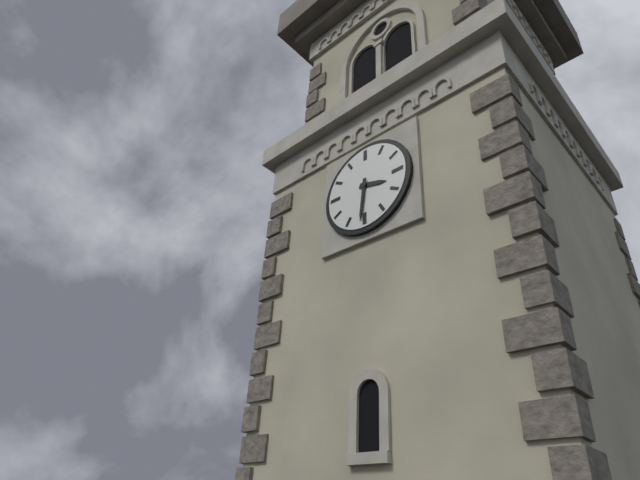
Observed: h=3 m=31
